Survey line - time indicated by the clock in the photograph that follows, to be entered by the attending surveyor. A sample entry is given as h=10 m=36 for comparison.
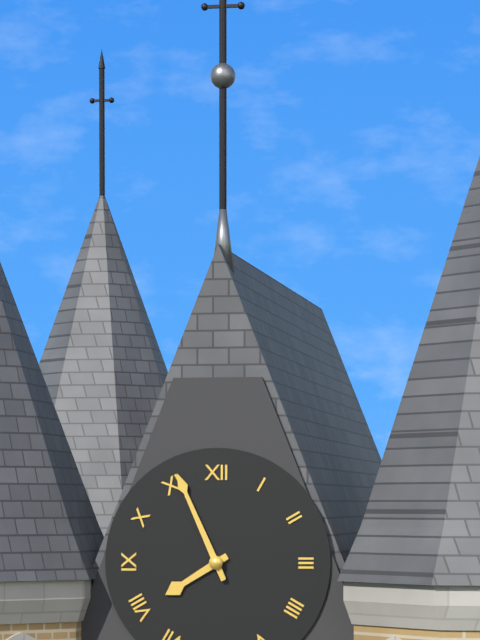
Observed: h=7 m=56
